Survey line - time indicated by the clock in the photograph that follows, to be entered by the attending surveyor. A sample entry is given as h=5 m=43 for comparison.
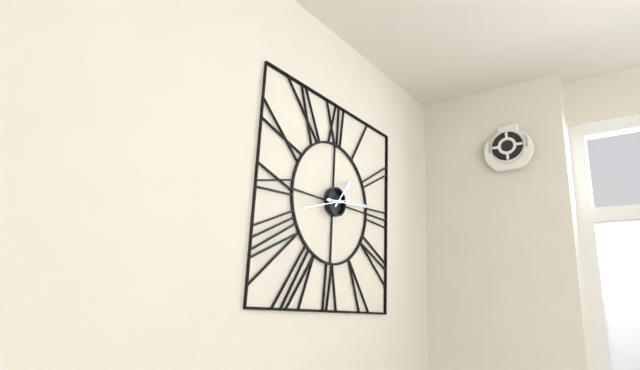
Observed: h=1 m=14
